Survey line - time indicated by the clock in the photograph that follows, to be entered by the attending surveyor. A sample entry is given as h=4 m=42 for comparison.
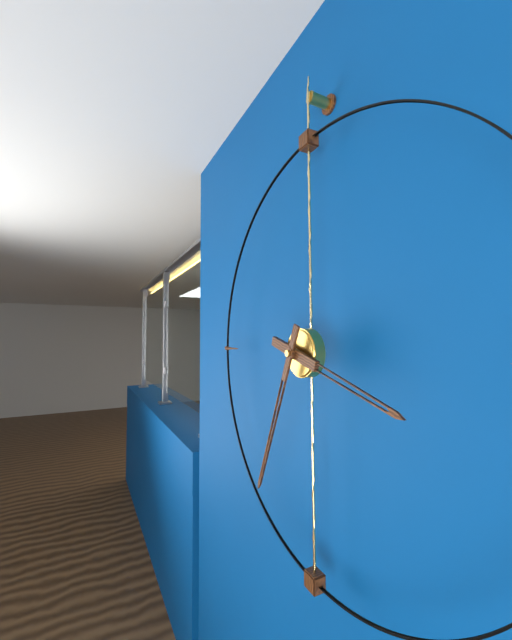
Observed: h=3 m=34
